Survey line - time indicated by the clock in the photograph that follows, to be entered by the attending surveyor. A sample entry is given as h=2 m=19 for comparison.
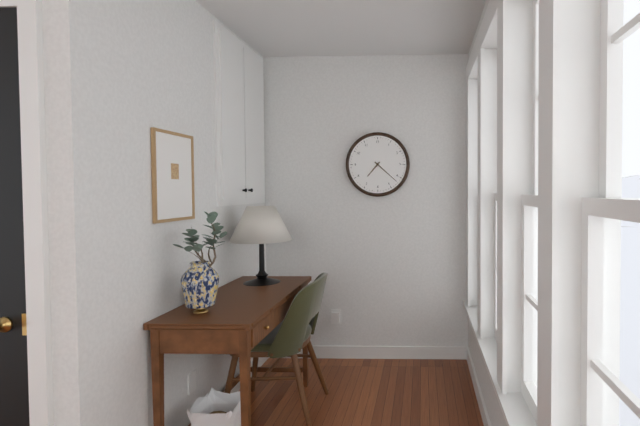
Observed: h=7 m=22
